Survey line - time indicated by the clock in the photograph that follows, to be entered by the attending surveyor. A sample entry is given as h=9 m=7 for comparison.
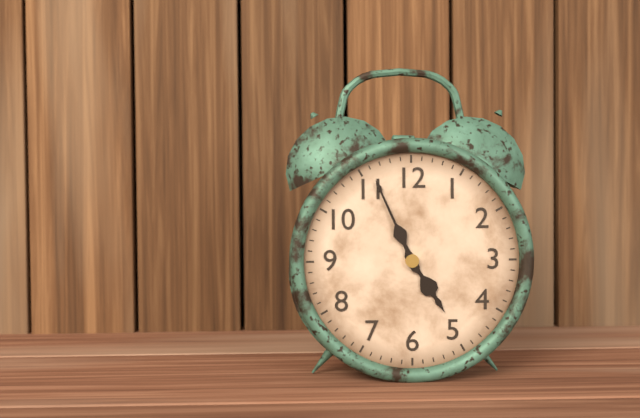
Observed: h=4 m=56
